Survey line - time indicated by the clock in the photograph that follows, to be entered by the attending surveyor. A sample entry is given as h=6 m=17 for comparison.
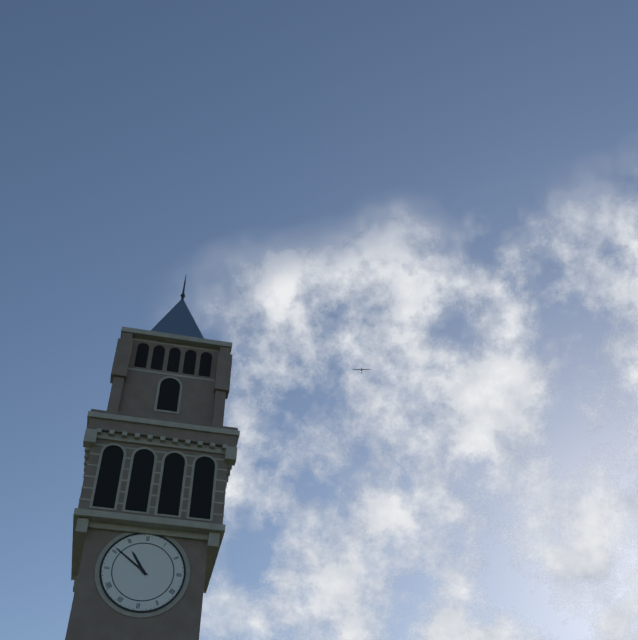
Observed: h=10 m=51
